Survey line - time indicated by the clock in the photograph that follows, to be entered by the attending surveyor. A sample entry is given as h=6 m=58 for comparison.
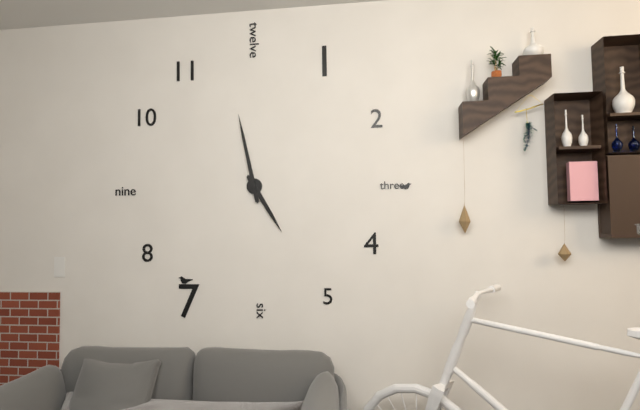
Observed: h=4 m=58
